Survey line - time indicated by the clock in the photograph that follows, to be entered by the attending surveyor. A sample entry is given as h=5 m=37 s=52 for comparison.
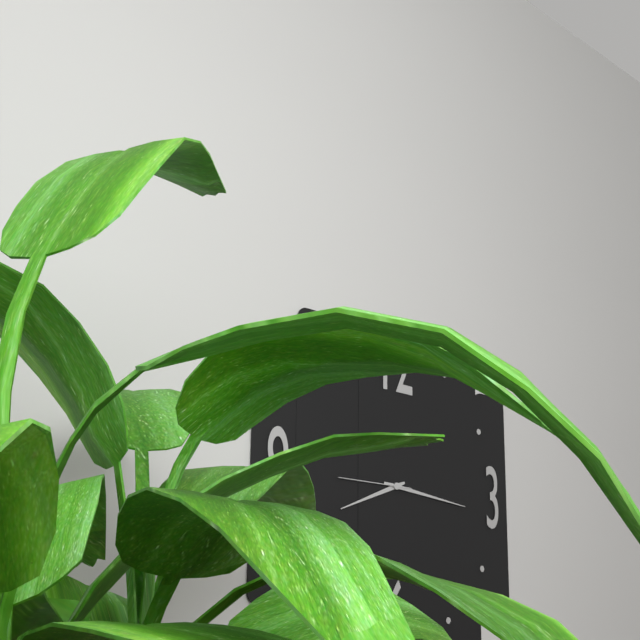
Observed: h=8 m=16 s=45
